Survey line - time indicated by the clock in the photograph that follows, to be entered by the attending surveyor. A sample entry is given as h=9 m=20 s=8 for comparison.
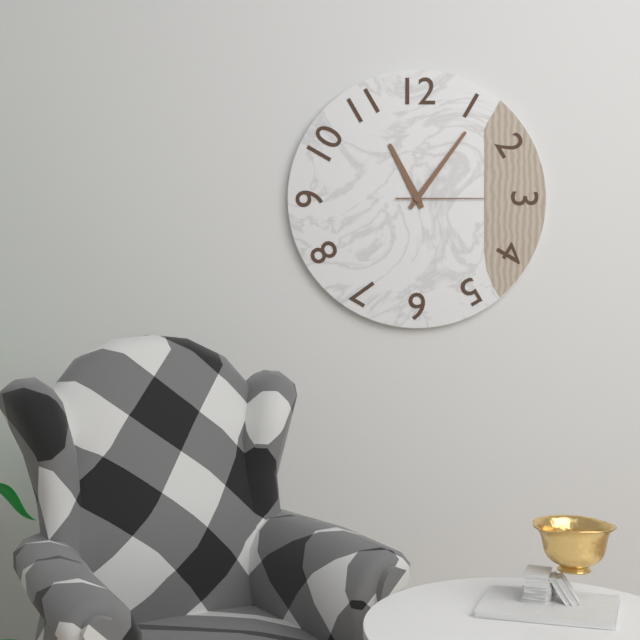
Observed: h=11 m=6 s=15
